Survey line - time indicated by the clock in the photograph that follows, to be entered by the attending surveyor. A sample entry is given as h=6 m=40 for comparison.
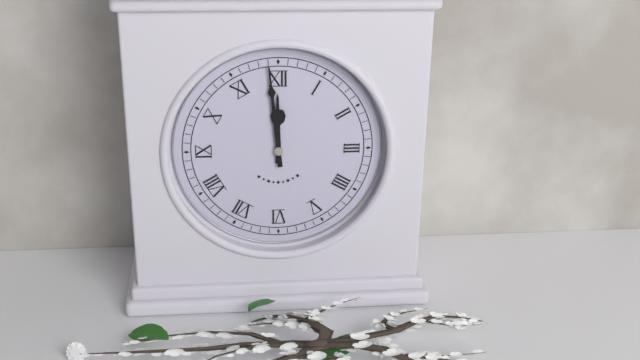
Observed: h=11 m=59
